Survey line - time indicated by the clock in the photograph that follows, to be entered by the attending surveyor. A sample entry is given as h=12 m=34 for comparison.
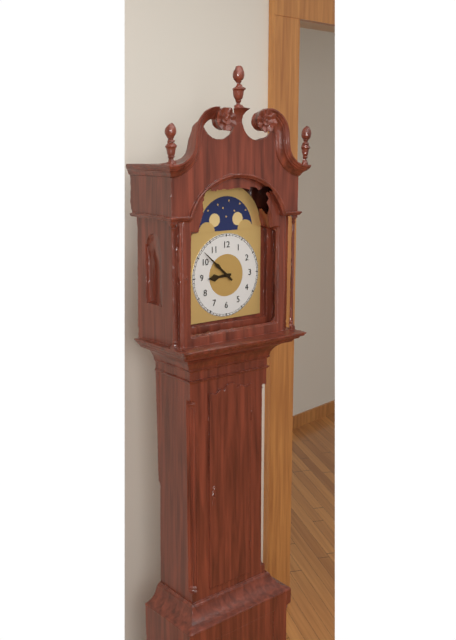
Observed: h=8 m=52
